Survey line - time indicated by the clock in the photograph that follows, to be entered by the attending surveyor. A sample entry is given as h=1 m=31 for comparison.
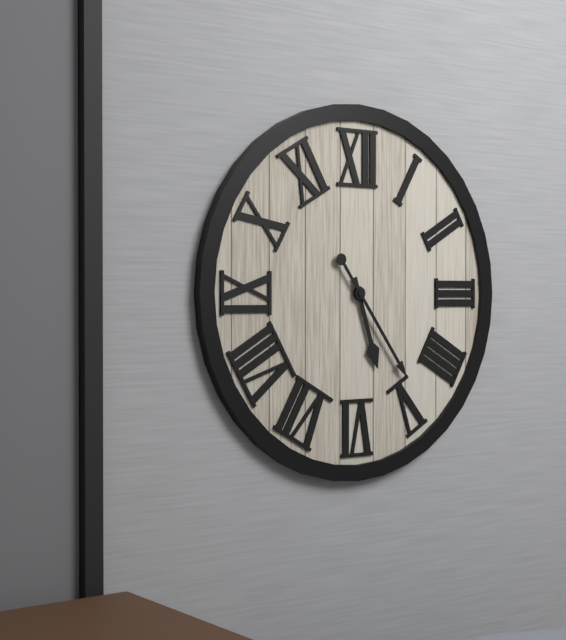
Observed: h=5 m=24
